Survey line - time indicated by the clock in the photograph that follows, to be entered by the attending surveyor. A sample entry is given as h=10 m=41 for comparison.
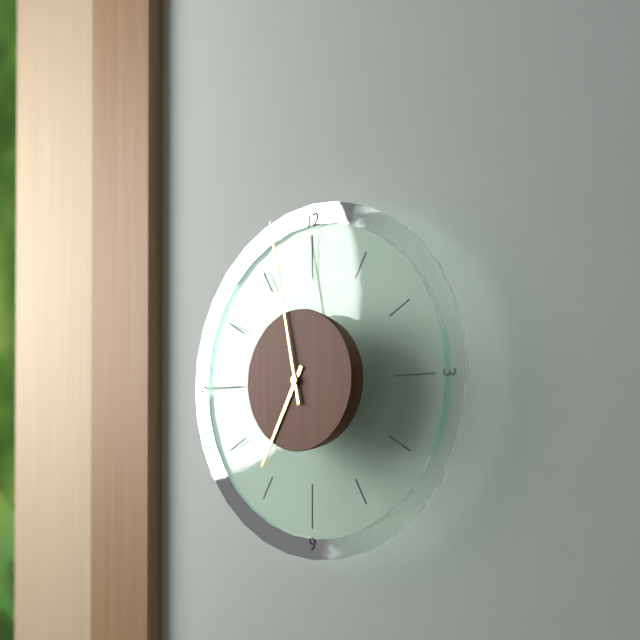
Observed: h=6 m=58
